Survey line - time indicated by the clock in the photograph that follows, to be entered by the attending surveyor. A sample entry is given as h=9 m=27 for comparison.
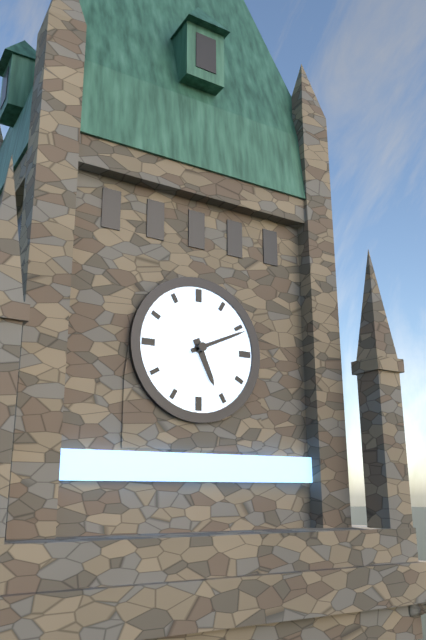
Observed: h=5 m=11
